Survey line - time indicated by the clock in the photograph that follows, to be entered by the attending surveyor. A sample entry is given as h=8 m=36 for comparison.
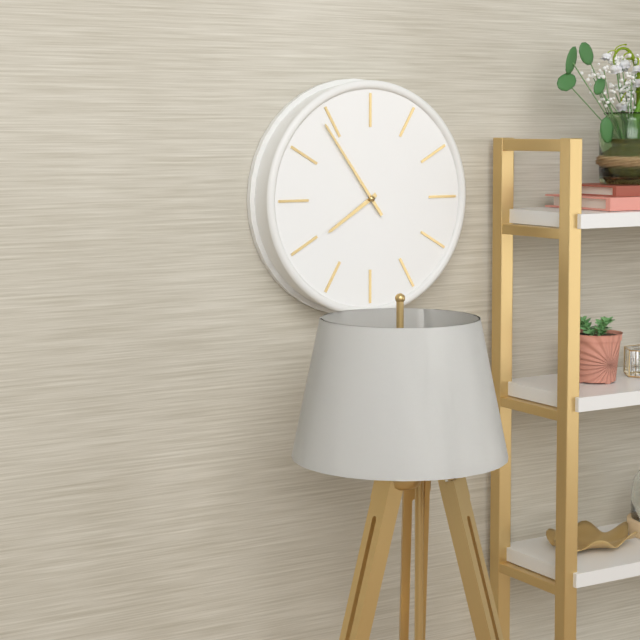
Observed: h=7 m=54
